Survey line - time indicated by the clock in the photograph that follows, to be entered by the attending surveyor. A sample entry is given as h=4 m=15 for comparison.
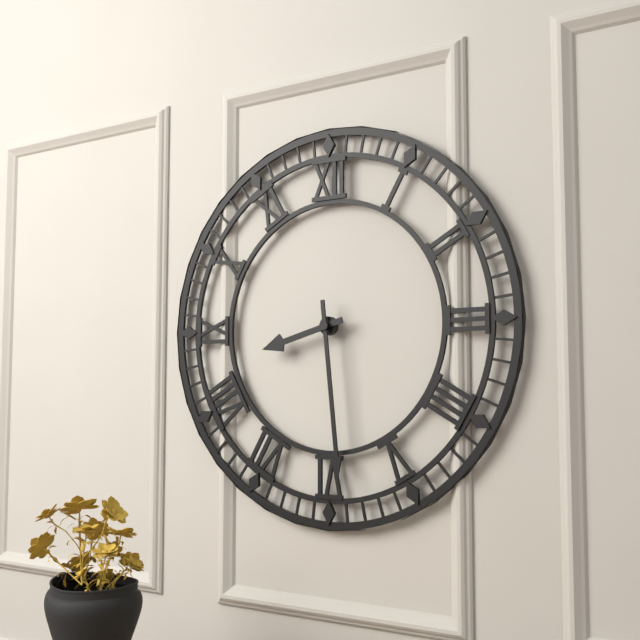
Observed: h=8 m=29
